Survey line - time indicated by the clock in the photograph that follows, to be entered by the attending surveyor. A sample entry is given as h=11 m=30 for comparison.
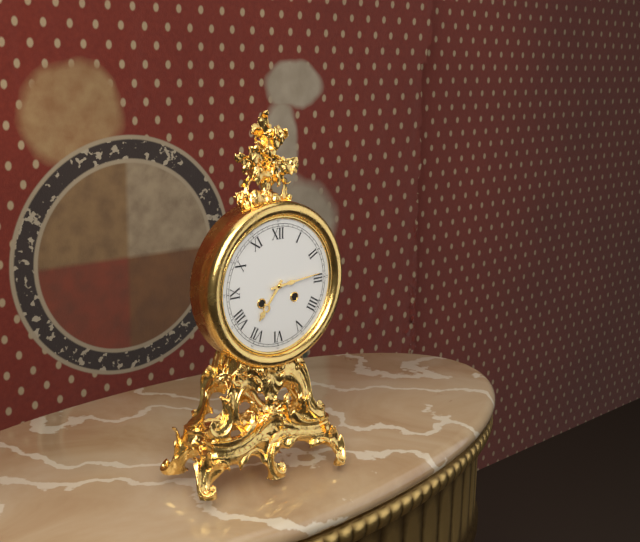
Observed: h=7 m=14
